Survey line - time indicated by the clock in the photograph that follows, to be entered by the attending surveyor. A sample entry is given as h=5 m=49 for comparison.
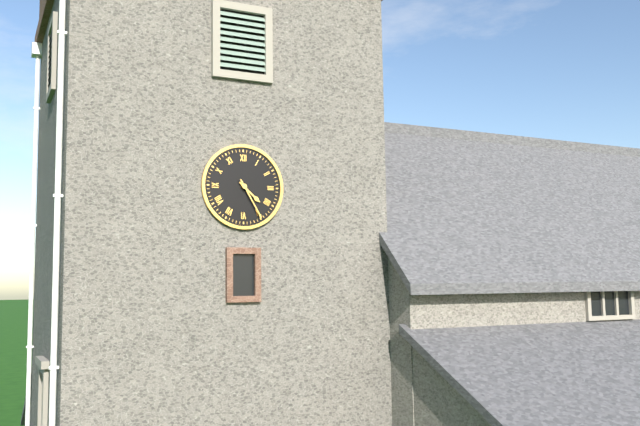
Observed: h=4 m=25
